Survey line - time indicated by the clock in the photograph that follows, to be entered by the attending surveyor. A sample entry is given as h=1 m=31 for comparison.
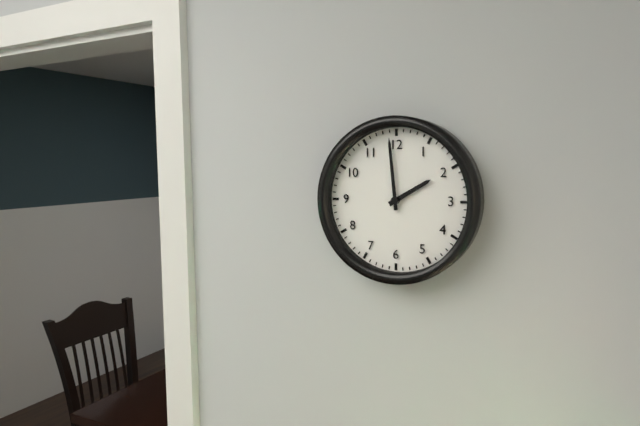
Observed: h=1 m=59
